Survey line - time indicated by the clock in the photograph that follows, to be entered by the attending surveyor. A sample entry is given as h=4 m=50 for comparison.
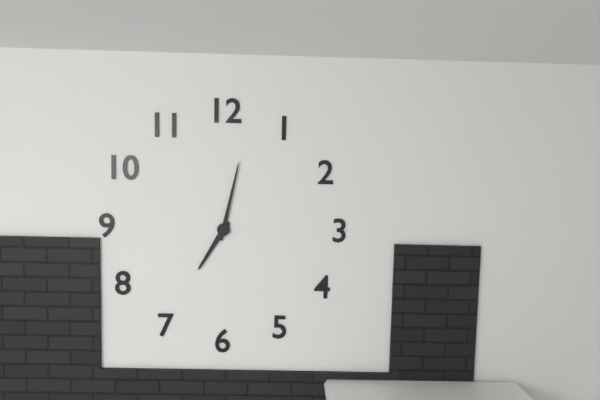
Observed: h=7 m=2
